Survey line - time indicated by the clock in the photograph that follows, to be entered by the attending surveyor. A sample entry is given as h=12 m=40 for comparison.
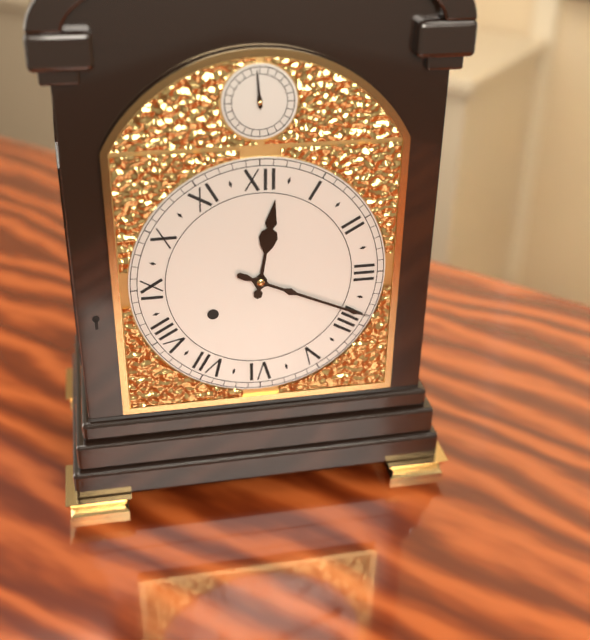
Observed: h=12 m=19
